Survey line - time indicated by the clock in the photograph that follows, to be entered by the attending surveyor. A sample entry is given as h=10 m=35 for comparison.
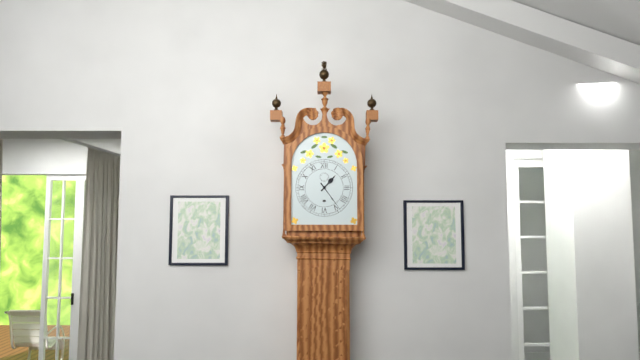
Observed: h=1 m=24
